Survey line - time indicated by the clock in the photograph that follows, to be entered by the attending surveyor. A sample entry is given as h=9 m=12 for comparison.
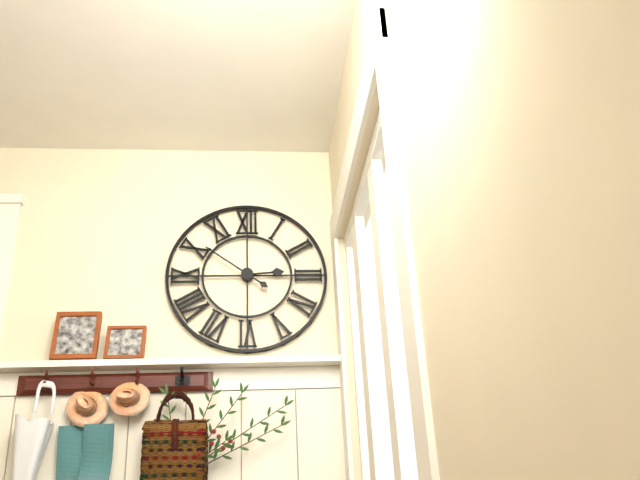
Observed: h=2 m=51
